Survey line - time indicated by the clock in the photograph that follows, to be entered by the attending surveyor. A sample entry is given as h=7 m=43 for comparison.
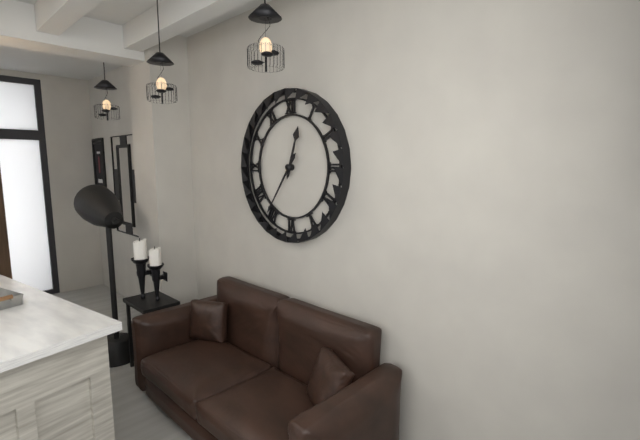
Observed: h=12 m=36
